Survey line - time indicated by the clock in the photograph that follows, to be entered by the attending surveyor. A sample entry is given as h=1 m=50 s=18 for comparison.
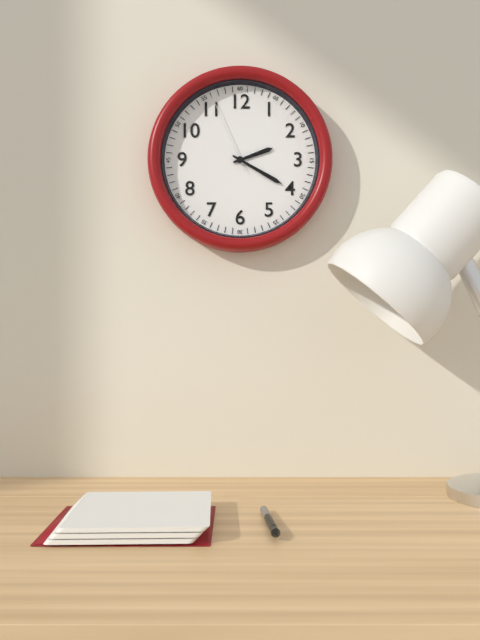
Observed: h=2 m=20 s=56
